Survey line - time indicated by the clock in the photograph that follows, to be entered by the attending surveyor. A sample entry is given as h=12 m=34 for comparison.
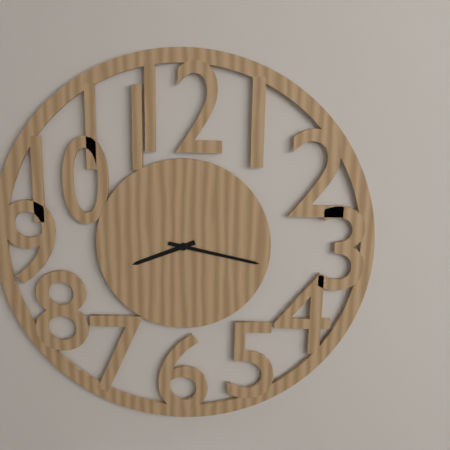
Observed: h=8 m=17
